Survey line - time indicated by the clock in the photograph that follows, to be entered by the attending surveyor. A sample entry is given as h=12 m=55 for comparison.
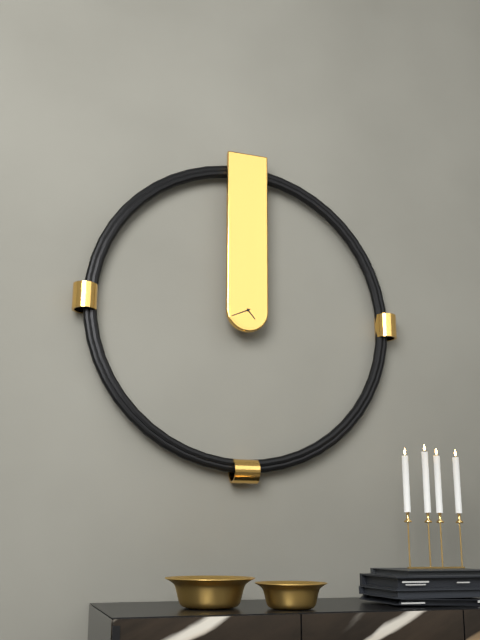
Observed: h=4 m=41
